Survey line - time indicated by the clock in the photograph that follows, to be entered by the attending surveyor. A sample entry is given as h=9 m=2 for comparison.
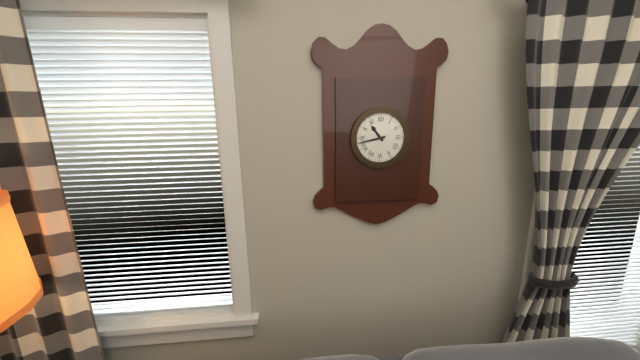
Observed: h=10 m=43
